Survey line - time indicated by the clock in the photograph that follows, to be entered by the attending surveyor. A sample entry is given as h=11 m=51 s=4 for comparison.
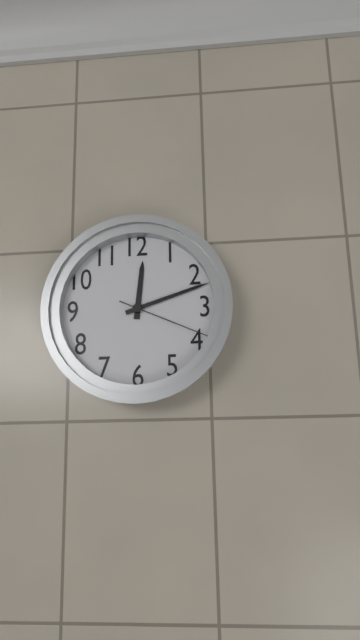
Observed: h=12 m=12 s=19
